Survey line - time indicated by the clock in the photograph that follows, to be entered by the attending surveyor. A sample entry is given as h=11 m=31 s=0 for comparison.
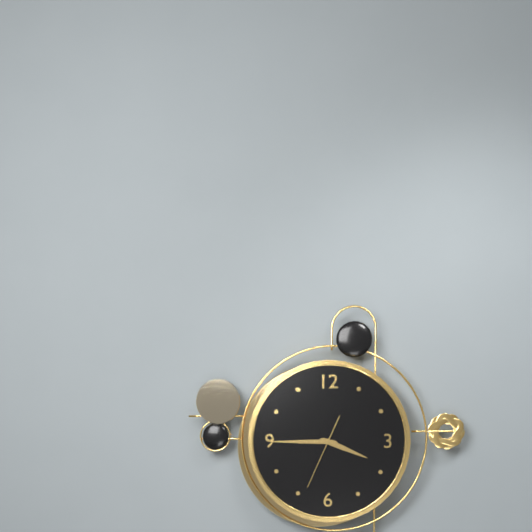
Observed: h=3 m=45 s=34
